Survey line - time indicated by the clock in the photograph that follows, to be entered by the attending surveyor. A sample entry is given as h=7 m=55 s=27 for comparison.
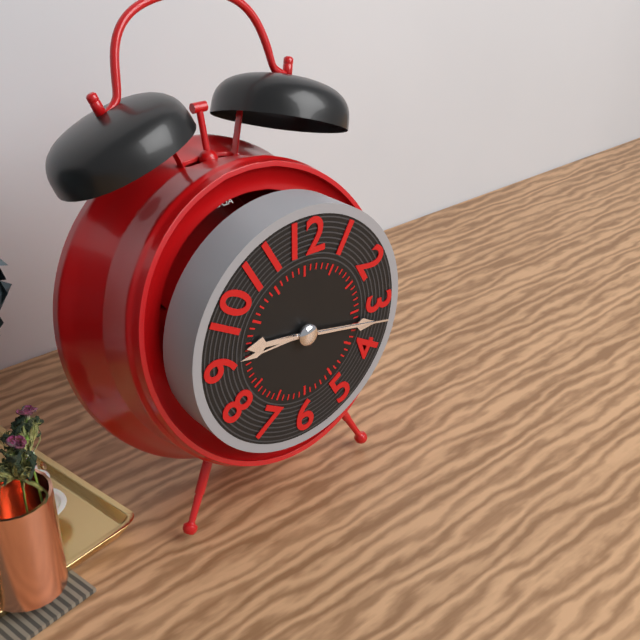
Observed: h=9 m=17 s=17
